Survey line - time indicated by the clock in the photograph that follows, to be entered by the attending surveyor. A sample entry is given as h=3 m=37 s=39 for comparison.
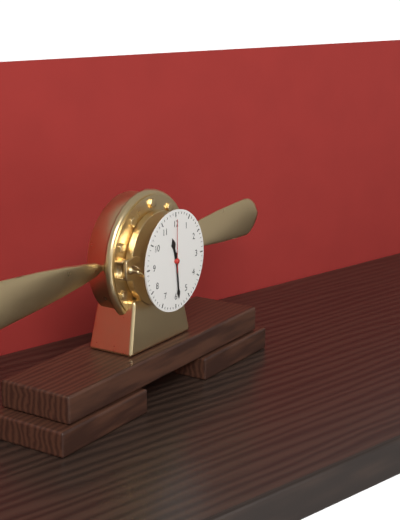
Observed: h=11 m=29 s=0
